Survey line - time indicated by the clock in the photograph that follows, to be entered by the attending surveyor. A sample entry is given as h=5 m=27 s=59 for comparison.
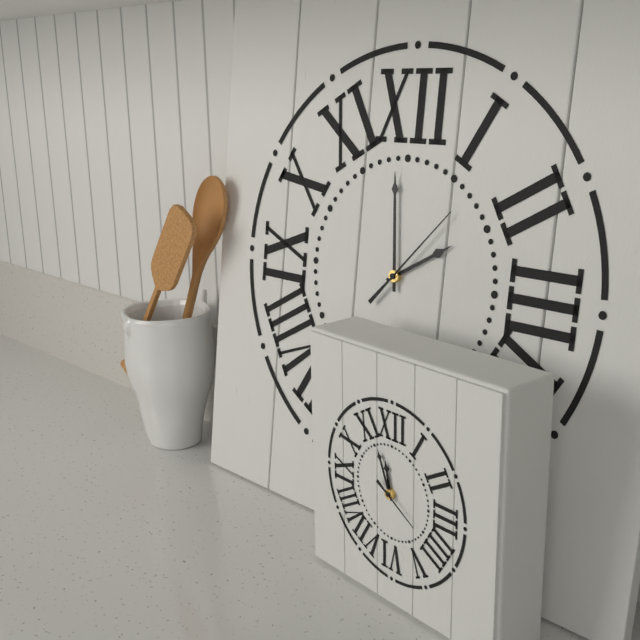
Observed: h=1 m=59 s=7
